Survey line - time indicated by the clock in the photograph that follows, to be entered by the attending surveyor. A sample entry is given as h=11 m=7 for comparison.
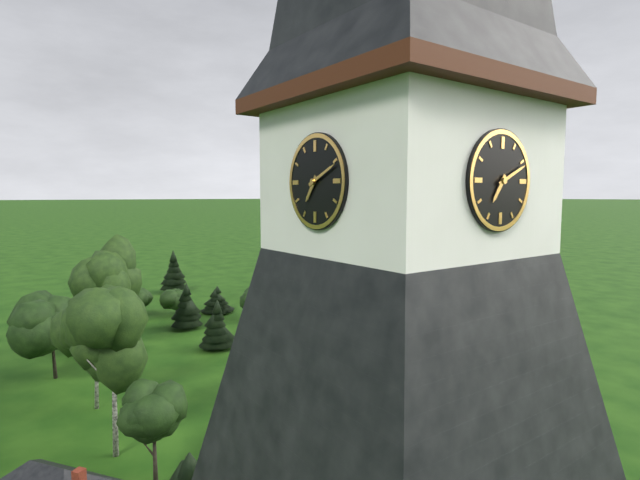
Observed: h=7 m=11
